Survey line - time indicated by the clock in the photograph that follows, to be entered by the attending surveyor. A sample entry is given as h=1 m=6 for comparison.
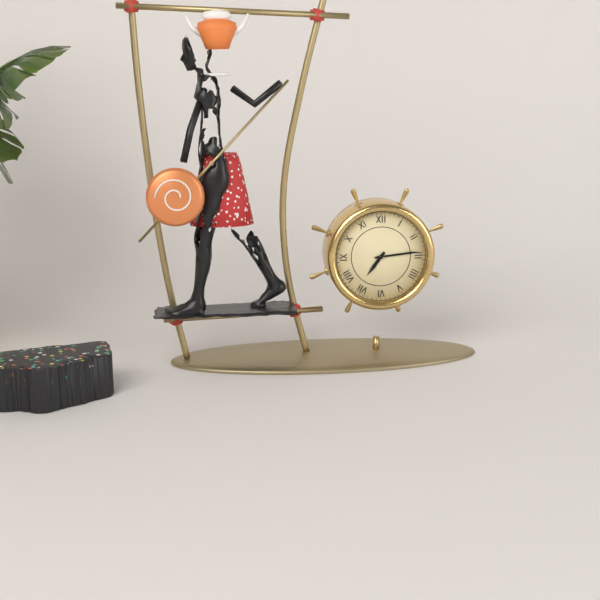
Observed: h=7 m=14
